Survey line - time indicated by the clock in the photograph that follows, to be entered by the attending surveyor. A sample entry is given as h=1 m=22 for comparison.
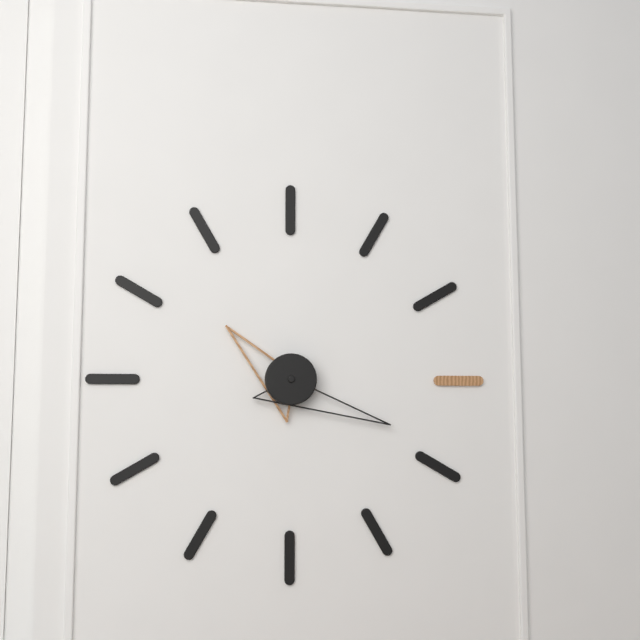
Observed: h=10 m=19
